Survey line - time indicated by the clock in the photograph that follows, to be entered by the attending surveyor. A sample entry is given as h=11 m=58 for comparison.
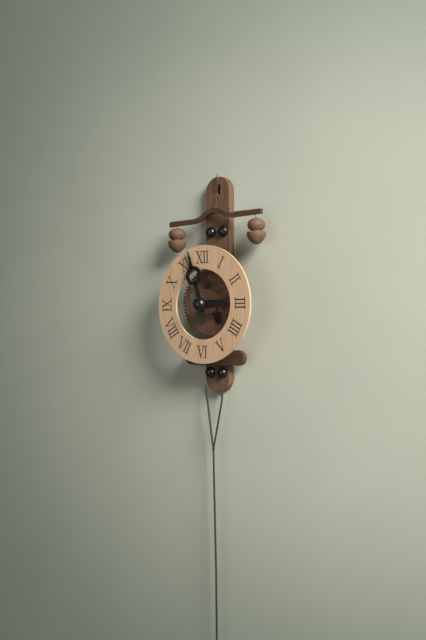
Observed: h=2 m=57
